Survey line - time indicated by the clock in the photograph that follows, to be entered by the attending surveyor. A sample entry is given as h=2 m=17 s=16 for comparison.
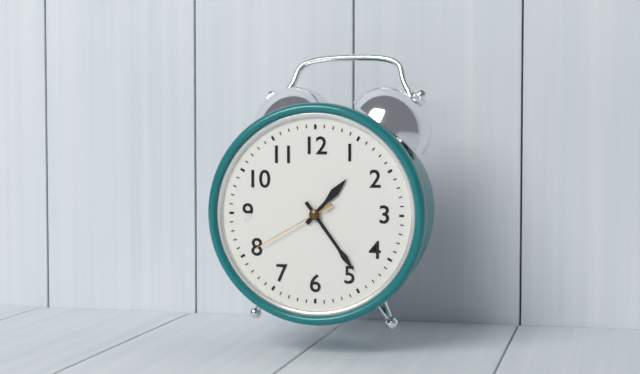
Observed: h=1 m=24 s=40
